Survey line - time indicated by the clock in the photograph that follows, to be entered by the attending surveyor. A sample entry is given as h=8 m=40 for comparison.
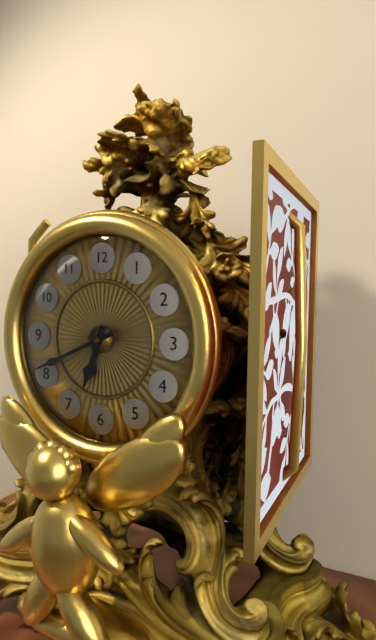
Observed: h=6 m=41
